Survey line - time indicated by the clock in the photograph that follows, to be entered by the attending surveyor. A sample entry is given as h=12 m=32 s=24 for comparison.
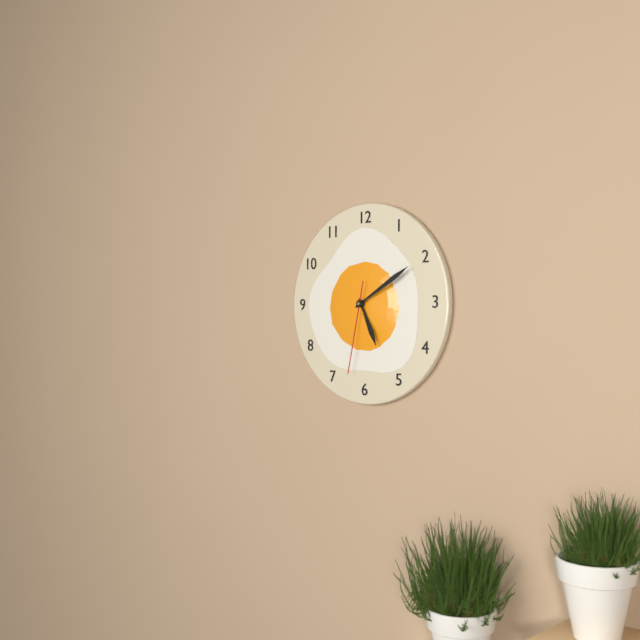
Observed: h=5 m=10 s=32
